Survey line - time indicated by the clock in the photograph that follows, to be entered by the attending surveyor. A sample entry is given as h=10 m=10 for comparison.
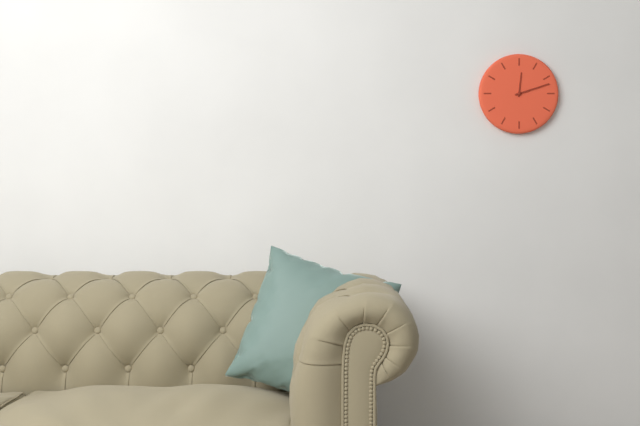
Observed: h=12 m=12
